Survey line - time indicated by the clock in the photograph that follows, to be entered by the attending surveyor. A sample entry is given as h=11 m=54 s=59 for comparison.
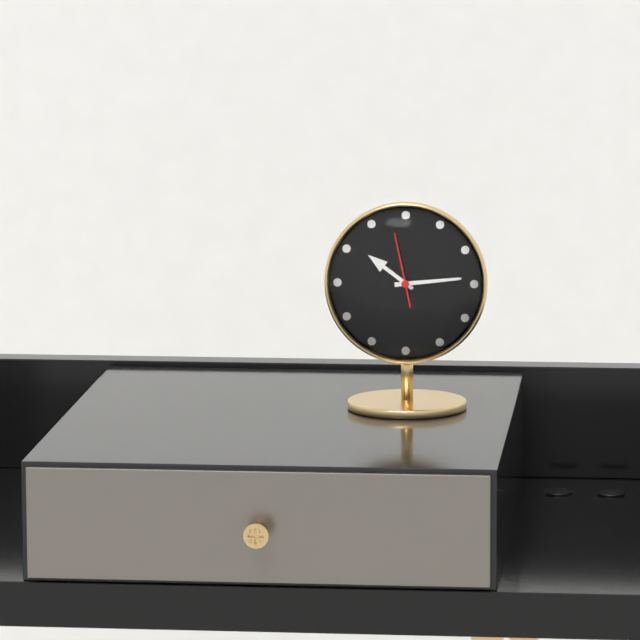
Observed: h=10 m=14 s=58
